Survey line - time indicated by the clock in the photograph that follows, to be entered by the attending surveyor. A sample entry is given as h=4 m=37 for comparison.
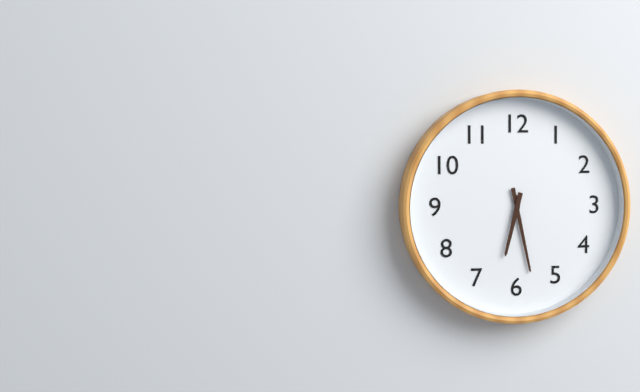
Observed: h=6 m=28
